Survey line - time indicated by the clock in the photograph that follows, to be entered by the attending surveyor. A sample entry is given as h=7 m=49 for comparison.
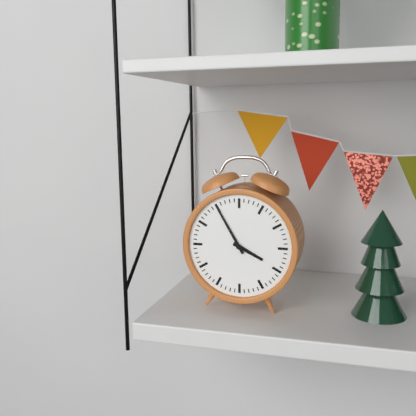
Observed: h=3 m=55
